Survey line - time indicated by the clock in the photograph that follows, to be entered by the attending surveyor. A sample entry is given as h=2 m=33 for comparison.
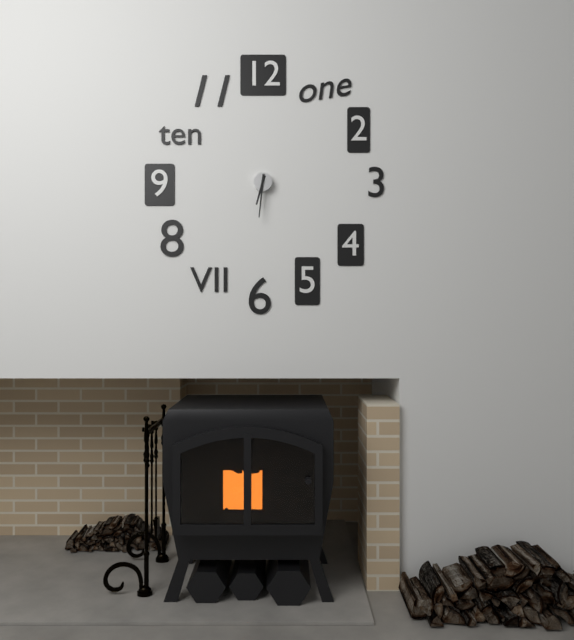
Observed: h=6 m=31
